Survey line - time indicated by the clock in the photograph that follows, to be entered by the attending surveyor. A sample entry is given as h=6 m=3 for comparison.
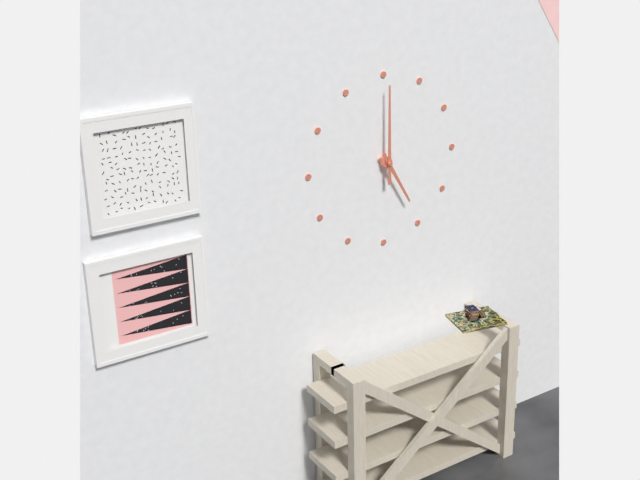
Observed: h=5 m=0
